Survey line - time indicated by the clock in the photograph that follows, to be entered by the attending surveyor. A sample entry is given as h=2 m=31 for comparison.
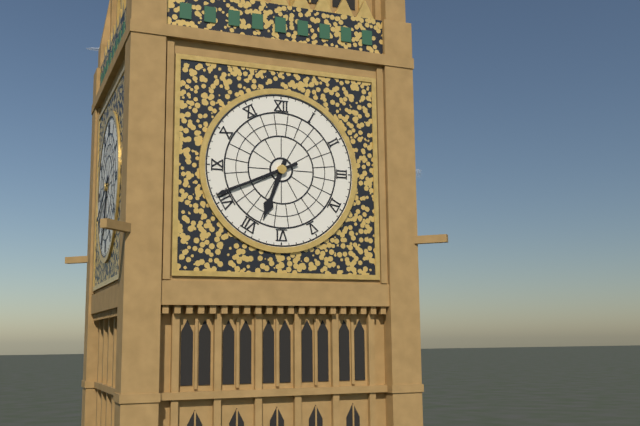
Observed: h=6 m=41
